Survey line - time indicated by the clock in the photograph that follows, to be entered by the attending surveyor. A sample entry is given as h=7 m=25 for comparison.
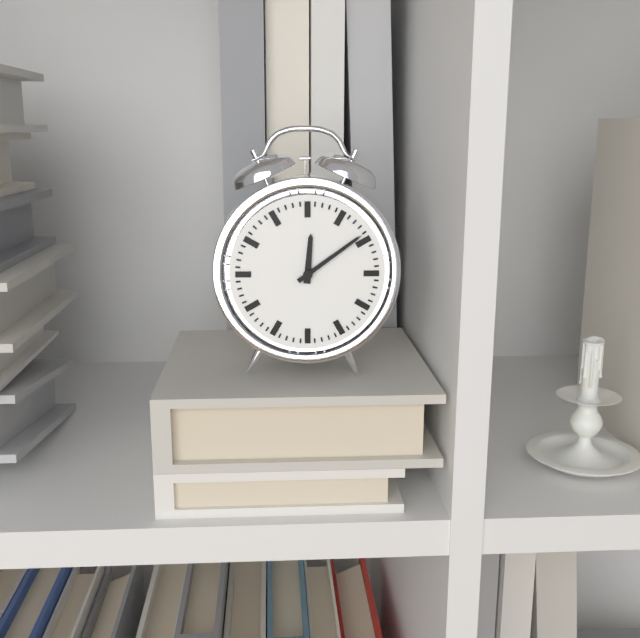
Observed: h=12 m=9
